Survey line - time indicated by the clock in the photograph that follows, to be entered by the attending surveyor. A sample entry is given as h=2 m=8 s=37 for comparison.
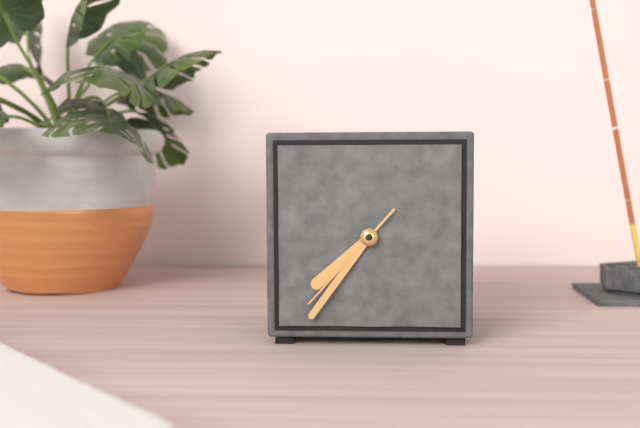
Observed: h=7 m=36 s=37
